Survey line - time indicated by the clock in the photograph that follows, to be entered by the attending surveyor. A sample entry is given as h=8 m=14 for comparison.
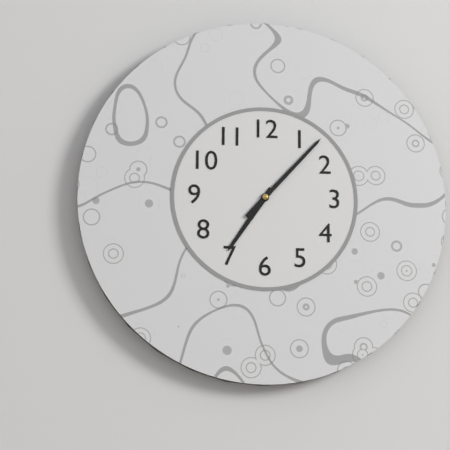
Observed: h=7 m=7
